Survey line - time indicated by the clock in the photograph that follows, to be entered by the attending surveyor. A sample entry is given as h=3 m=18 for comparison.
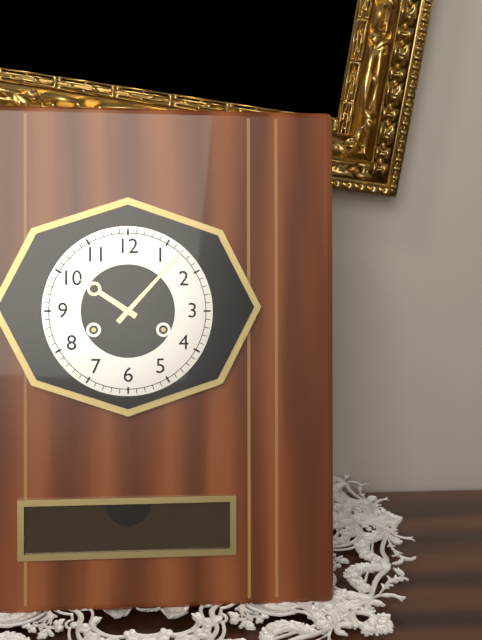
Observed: h=10 m=7
